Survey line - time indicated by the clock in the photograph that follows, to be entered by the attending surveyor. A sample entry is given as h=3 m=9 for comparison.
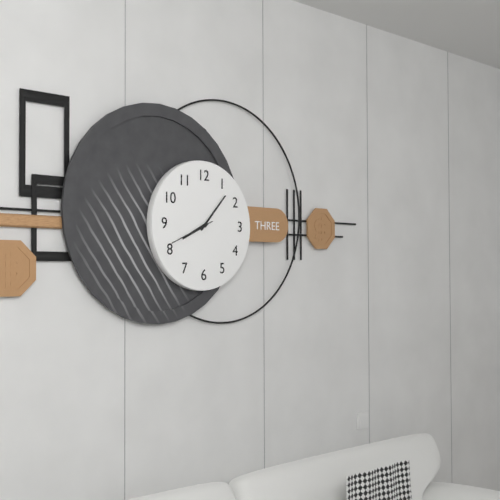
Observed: h=8 m=7
